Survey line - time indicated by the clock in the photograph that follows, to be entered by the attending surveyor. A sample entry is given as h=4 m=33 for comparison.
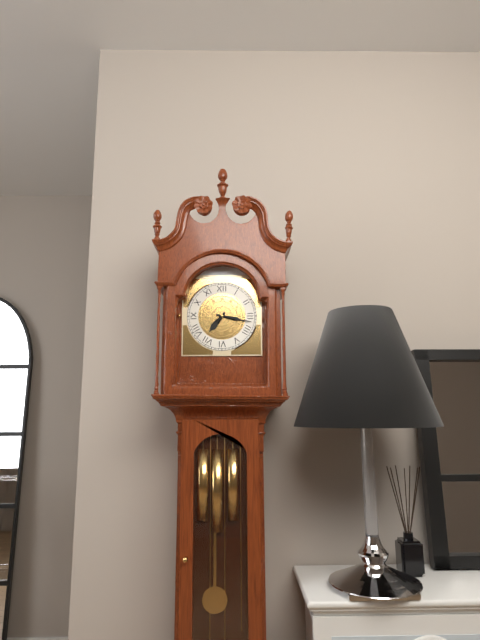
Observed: h=7 m=17
